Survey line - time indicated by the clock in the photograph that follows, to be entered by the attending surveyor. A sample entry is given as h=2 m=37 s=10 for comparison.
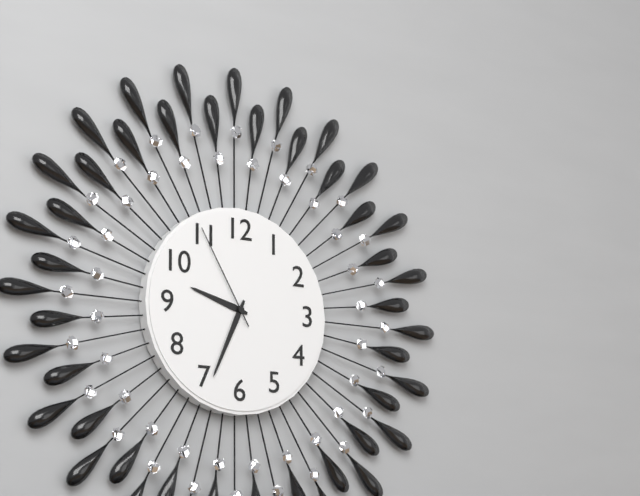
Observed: h=9 m=34 s=55
